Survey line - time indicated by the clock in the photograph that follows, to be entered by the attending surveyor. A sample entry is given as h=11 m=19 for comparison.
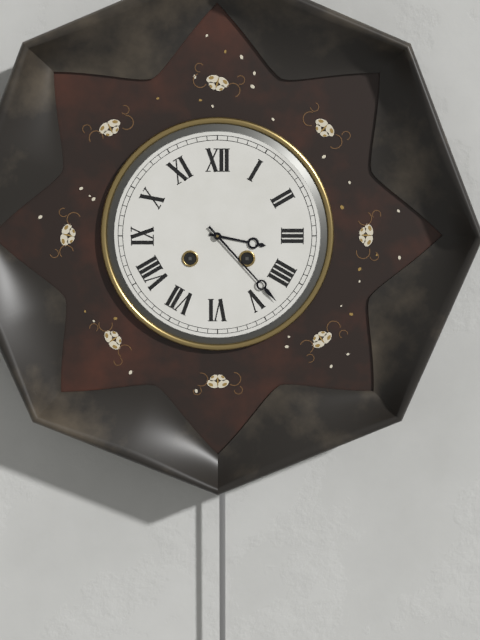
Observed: h=3 m=23
